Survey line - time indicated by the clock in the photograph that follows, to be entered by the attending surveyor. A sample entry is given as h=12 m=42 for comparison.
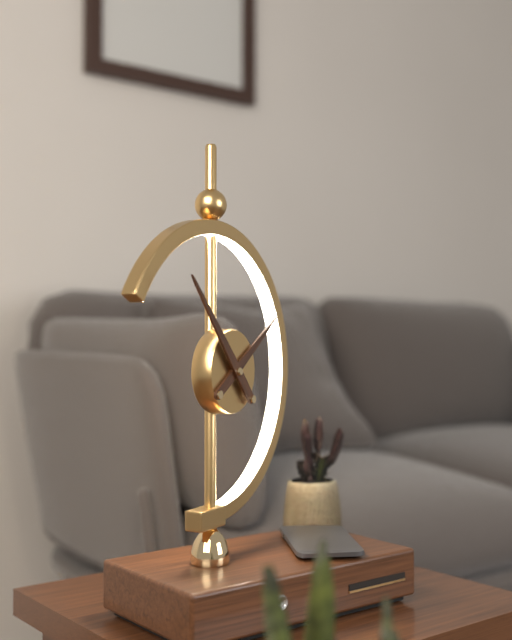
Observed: h=1 m=53
